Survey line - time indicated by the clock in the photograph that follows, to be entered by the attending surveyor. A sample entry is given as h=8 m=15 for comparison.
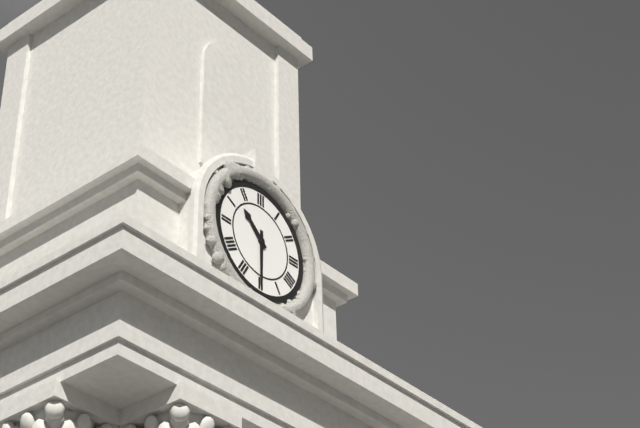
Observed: h=10 m=30
